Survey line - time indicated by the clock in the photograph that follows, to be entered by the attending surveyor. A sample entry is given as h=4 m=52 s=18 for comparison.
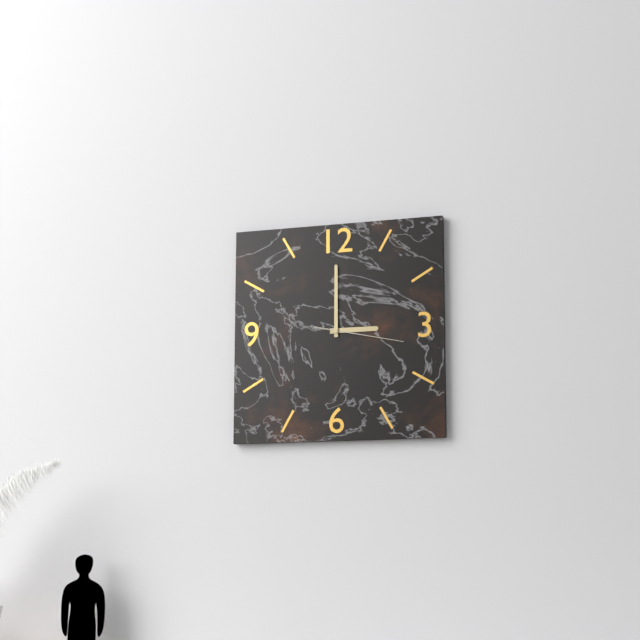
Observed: h=3 m=0 s=17
